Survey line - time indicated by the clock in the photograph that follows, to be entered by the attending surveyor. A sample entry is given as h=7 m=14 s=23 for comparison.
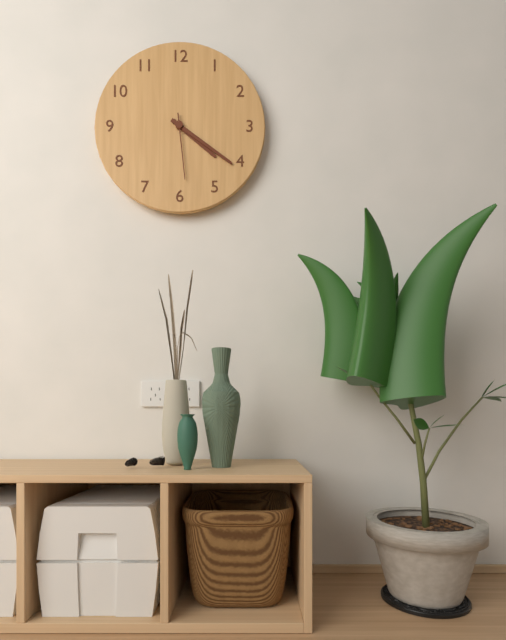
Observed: h=4 m=21 s=29
